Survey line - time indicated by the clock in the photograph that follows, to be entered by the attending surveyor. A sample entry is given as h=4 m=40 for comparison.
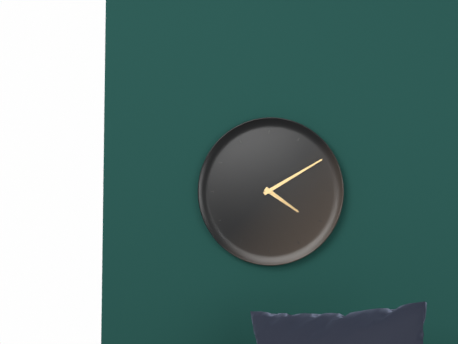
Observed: h=4 m=10
